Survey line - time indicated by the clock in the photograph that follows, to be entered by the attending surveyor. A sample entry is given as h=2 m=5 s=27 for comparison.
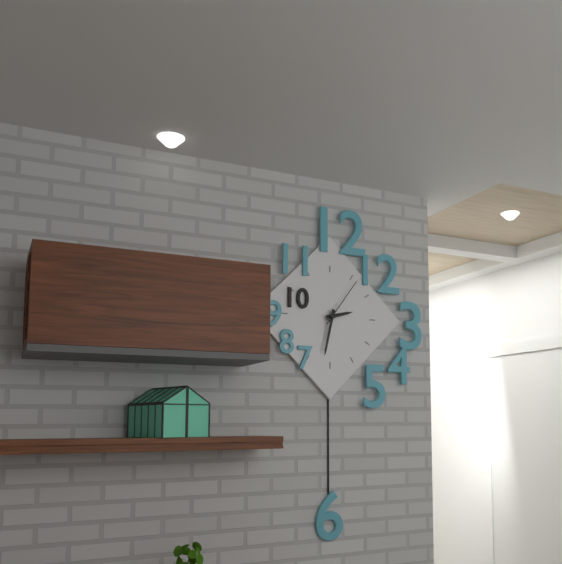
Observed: h=2 m=32 s=6
